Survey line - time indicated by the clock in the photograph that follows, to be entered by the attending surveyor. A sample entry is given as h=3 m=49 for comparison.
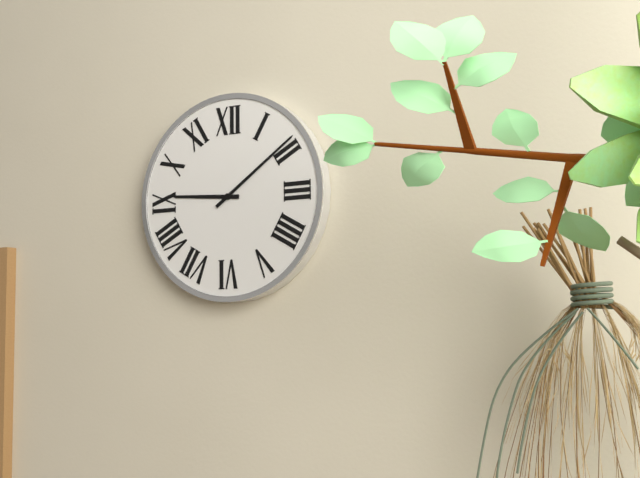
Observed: h=9 m=9
